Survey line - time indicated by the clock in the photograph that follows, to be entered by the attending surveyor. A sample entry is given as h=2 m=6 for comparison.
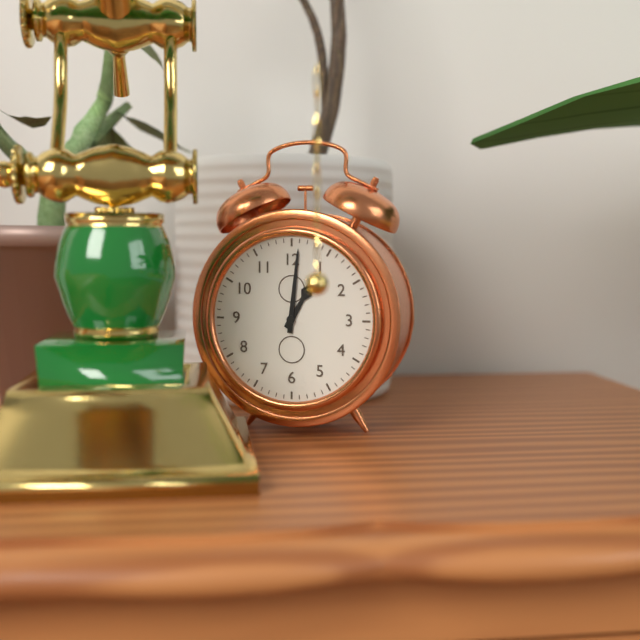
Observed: h=1 m=1
